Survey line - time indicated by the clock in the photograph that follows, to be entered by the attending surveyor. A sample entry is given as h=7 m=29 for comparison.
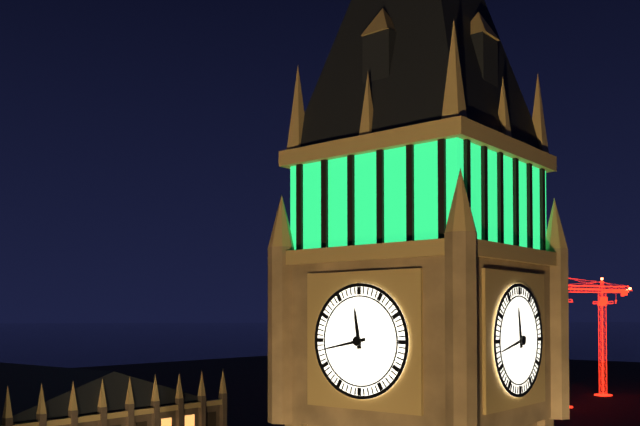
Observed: h=11 m=43
